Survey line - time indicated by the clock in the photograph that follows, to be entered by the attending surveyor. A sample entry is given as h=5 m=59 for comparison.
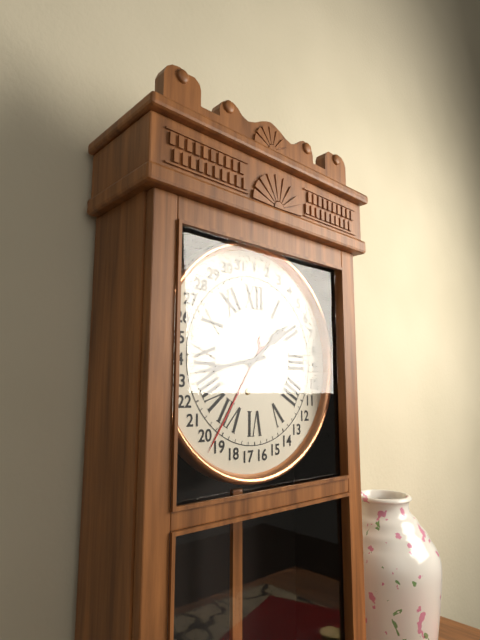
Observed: h=1 m=43
